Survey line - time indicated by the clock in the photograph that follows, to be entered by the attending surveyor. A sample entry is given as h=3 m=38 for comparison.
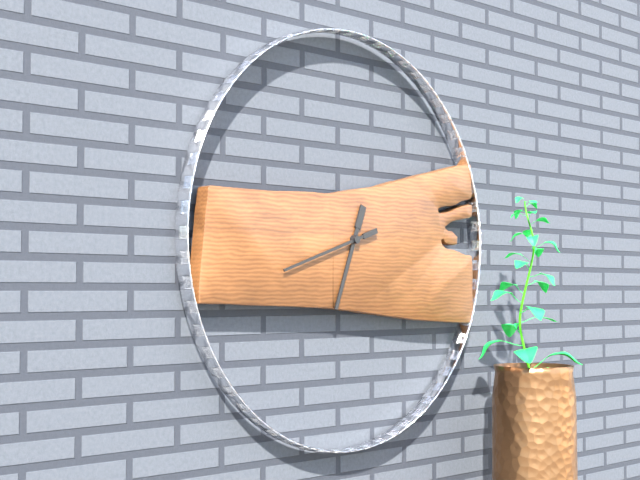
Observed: h=6 m=42
